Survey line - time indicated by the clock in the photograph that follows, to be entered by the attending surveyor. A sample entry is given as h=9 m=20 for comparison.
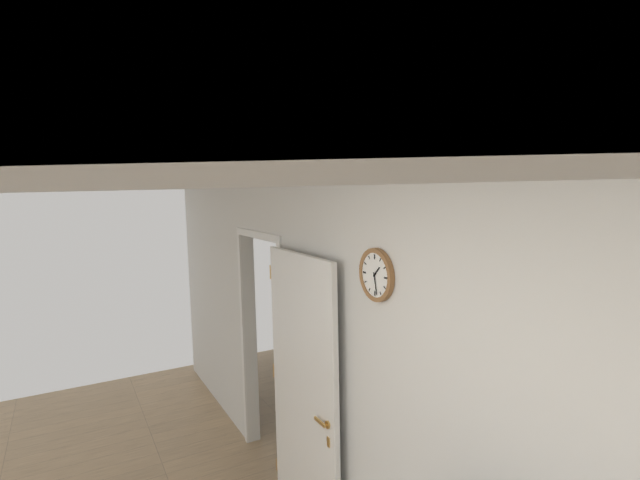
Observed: h=1 m=28
